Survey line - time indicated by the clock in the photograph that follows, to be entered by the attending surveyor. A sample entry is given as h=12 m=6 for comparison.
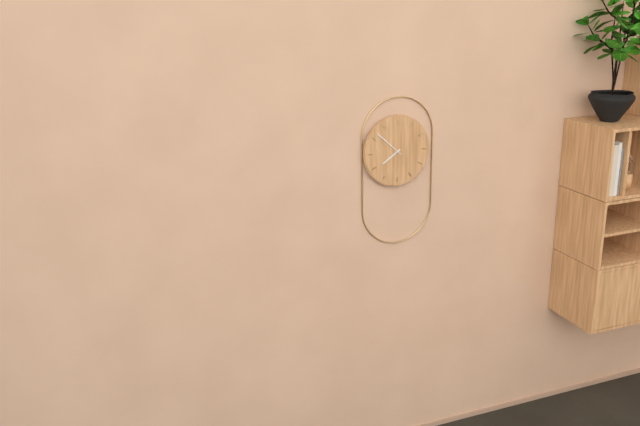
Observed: h=7 m=52
